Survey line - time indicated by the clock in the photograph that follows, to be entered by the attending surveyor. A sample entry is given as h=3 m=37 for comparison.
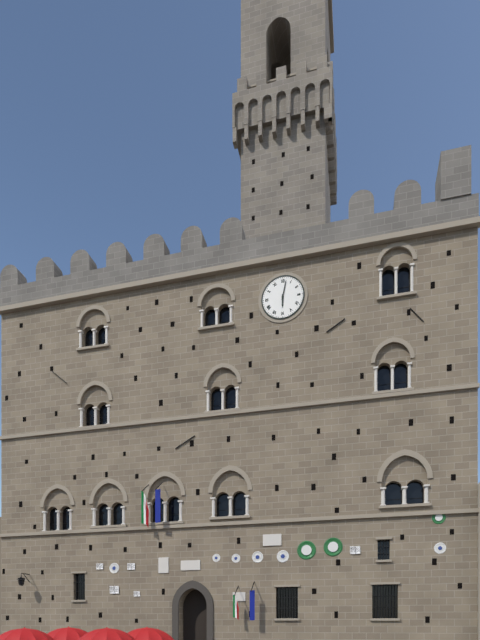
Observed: h=6 m=2
